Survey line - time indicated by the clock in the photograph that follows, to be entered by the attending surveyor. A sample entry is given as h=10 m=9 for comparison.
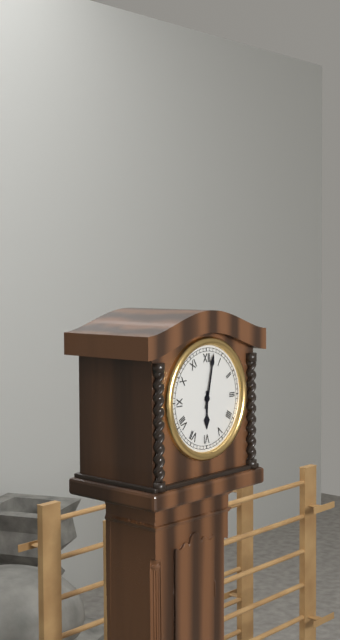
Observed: h=6 m=2
